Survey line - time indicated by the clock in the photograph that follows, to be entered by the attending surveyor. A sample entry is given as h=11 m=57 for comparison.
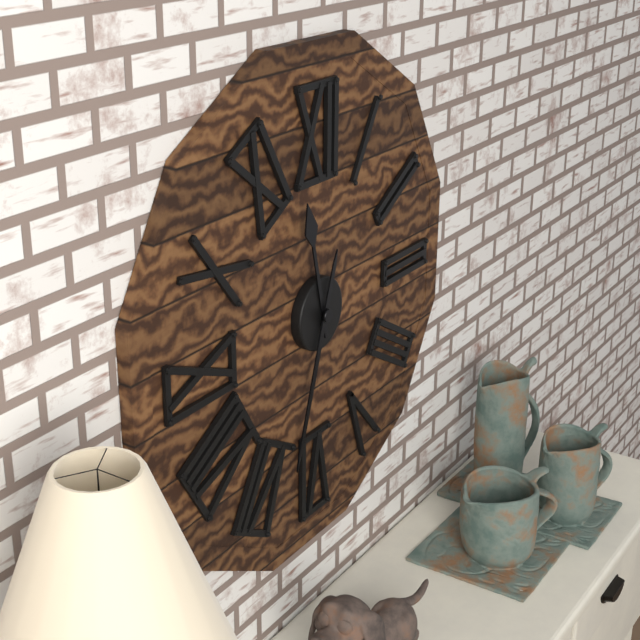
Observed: h=11 m=33
